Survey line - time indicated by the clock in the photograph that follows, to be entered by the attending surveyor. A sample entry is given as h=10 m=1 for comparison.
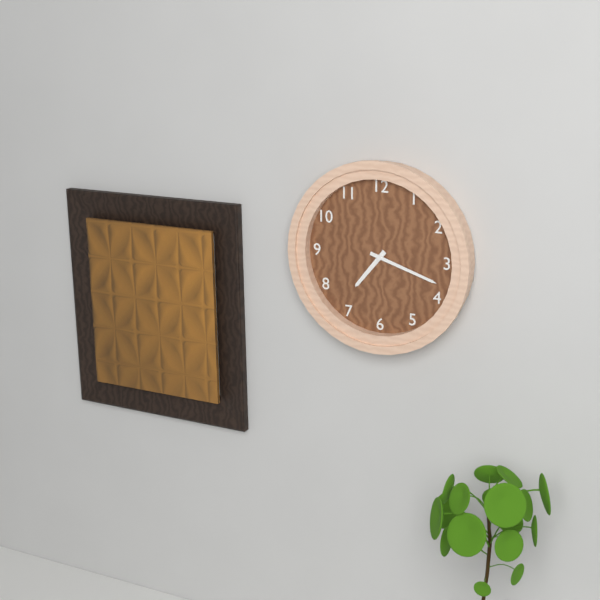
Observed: h=7 m=18
